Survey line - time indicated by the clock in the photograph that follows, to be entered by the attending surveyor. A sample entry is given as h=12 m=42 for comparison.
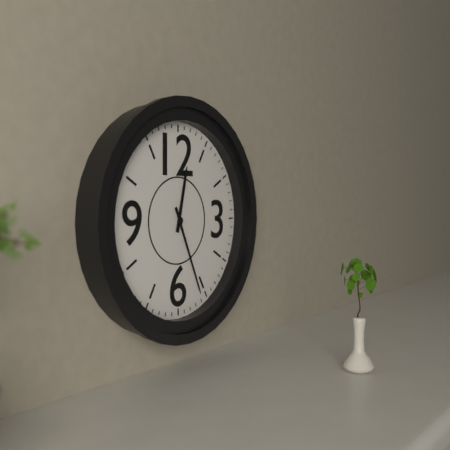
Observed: h=12 m=26
